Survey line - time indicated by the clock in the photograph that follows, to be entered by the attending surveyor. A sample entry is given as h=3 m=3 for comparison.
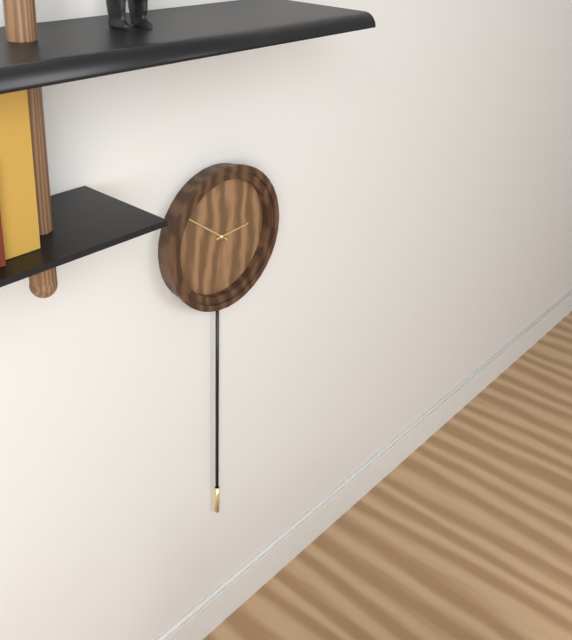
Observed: h=2 m=51
